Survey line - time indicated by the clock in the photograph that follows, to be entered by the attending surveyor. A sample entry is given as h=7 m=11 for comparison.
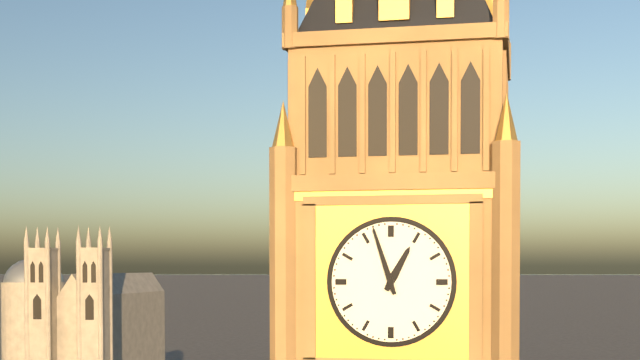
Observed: h=12 m=57
